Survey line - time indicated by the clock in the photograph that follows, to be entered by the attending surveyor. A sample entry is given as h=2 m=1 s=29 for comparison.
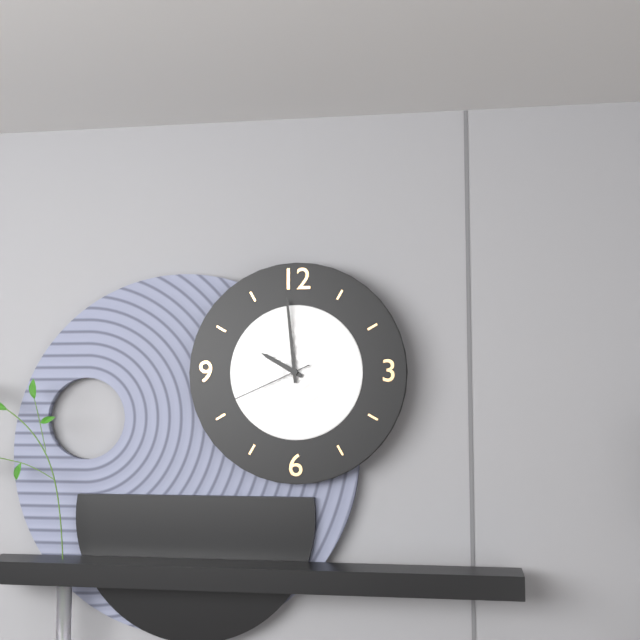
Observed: h=9 m=59 s=41
